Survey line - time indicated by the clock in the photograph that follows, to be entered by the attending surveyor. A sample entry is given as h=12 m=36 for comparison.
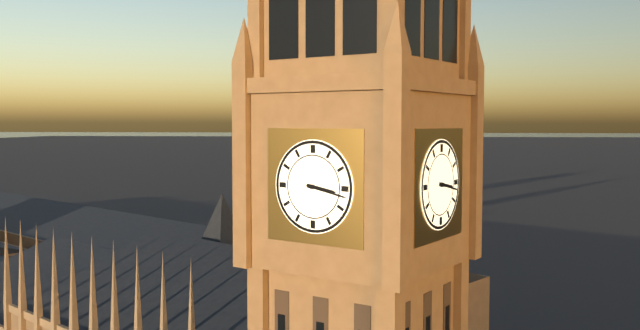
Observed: h=3 m=17
